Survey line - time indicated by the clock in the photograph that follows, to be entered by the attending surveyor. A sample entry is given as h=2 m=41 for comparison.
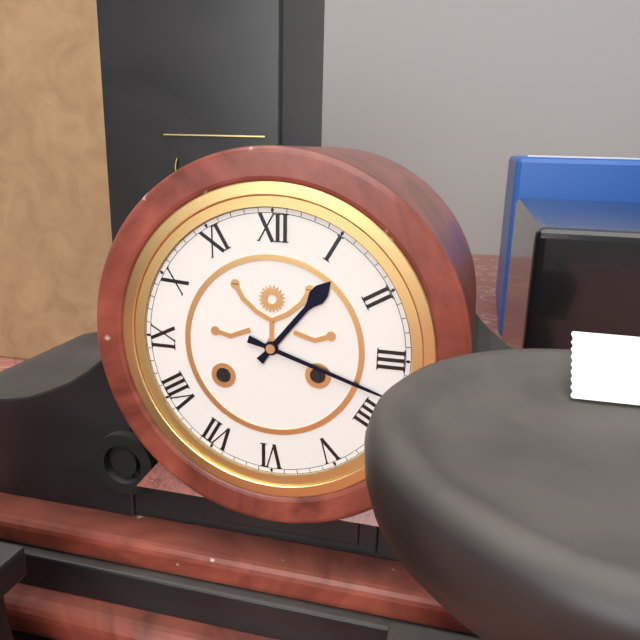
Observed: h=1 m=18
